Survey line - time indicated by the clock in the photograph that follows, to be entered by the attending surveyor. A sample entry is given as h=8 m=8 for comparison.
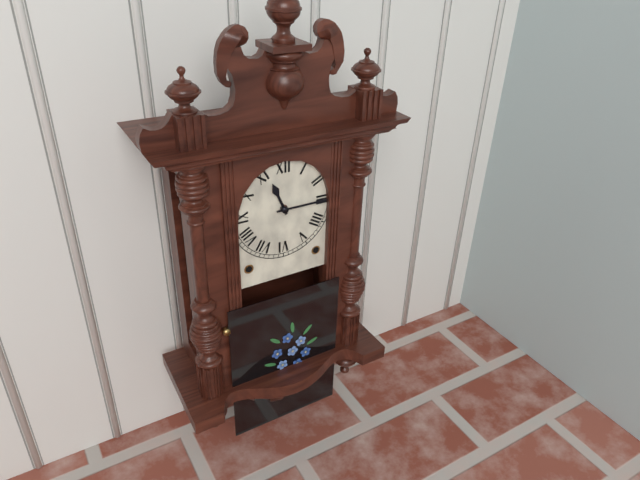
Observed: h=11 m=15
